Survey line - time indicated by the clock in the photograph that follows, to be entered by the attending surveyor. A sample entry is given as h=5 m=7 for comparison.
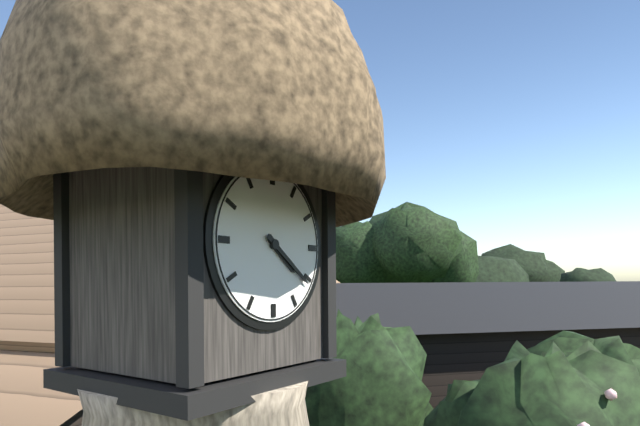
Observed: h=4 m=21
